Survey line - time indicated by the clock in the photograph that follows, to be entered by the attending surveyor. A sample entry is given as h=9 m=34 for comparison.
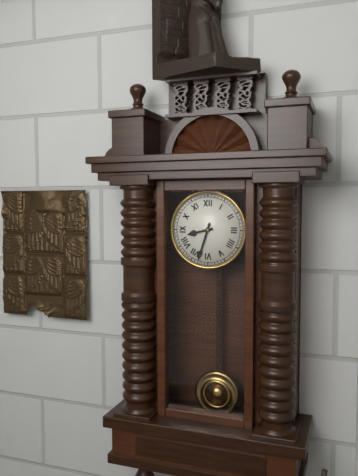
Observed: h=8 m=33
